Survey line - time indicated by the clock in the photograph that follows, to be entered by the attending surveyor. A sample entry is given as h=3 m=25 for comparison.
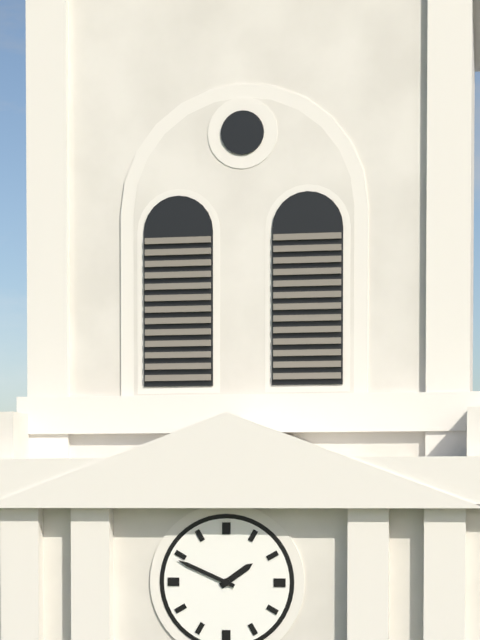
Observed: h=1 m=49
